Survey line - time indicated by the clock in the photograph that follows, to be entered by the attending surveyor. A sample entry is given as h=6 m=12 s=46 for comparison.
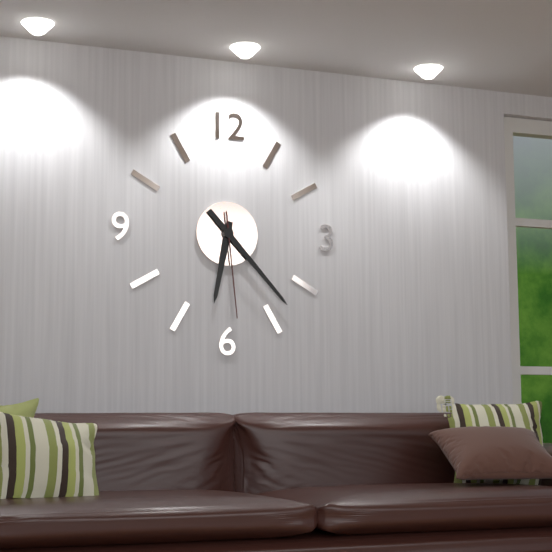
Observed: h=6 m=23 s=29
